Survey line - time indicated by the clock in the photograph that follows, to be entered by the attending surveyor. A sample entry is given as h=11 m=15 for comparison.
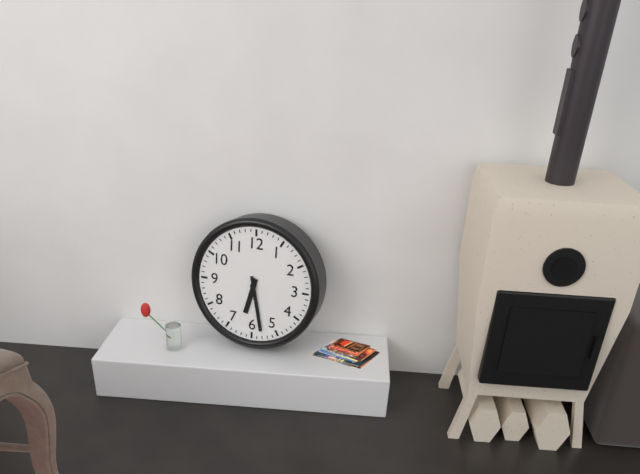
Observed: h=6 m=28
